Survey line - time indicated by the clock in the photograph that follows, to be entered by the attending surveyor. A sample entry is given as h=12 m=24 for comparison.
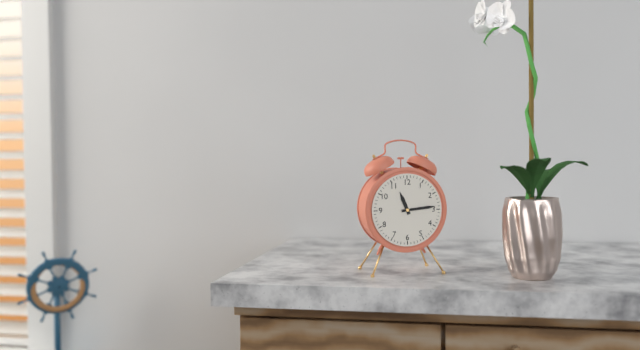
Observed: h=11 m=14
